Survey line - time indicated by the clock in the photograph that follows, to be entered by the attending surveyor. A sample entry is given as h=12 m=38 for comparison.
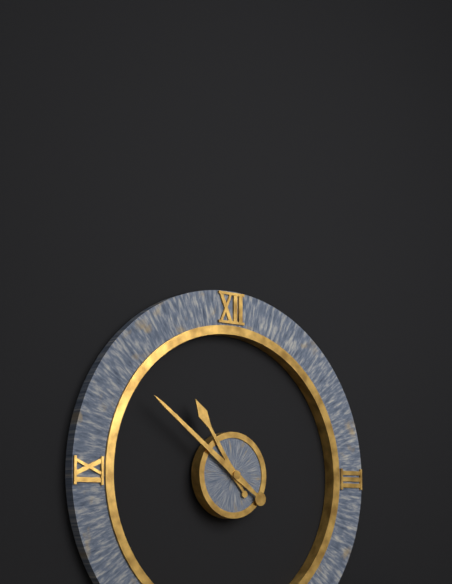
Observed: h=10 m=51
